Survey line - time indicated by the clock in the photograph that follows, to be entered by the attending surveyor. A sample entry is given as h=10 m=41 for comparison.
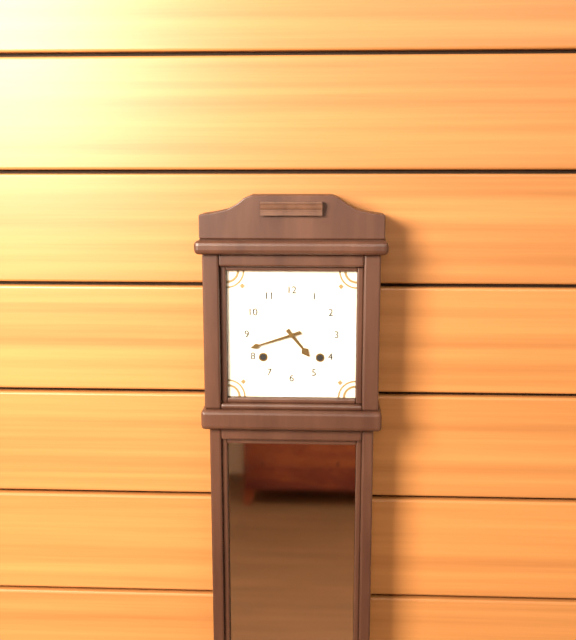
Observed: h=4 m=42
